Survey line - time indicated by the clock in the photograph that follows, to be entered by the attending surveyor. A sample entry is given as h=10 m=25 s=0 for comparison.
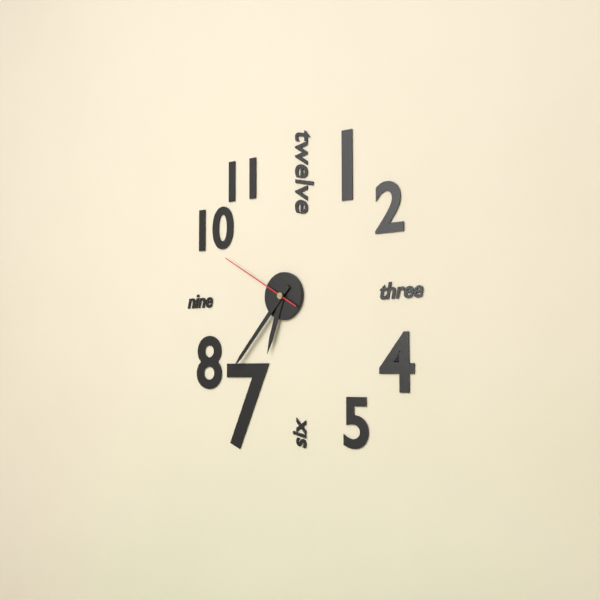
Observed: h=6 m=37 s=50
